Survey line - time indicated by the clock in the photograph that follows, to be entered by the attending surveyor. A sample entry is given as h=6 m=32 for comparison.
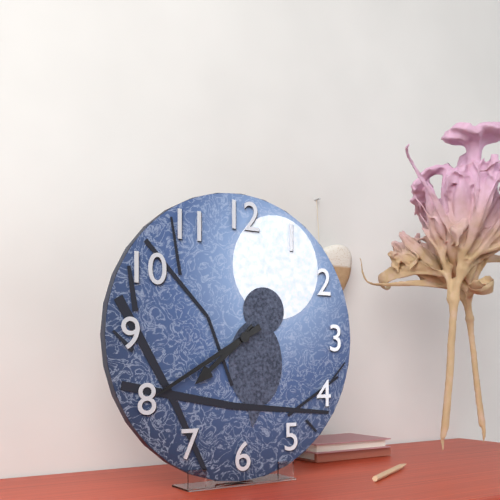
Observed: h=7 m=40
